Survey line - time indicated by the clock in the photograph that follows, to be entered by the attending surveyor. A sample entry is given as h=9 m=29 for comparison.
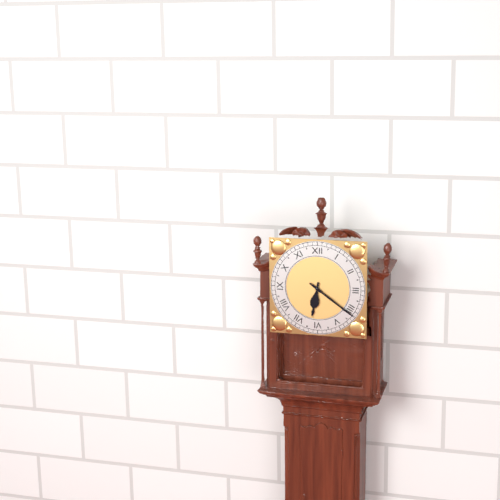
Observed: h=6 m=21
